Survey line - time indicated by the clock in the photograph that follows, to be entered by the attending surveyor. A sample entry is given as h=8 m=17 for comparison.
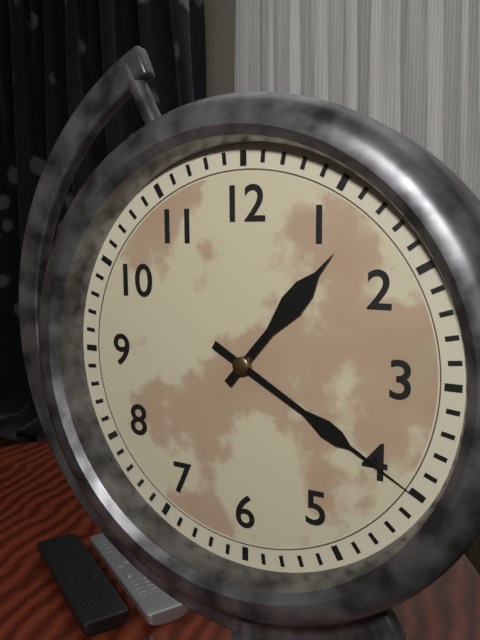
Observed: h=1 m=20
